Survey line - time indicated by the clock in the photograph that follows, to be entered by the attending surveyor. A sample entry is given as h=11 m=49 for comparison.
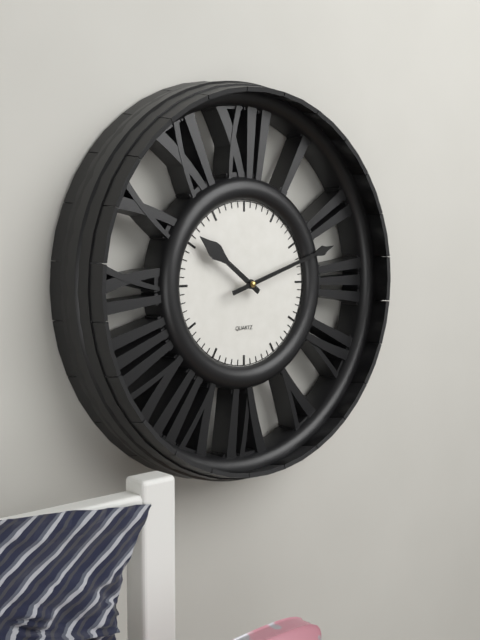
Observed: h=10 m=12
